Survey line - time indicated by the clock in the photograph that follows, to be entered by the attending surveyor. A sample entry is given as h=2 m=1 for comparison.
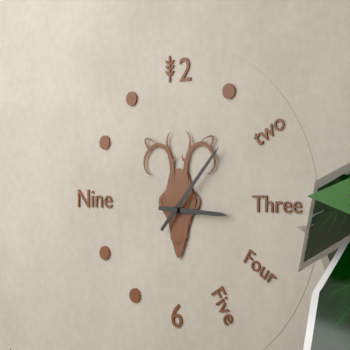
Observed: h=3 m=7
